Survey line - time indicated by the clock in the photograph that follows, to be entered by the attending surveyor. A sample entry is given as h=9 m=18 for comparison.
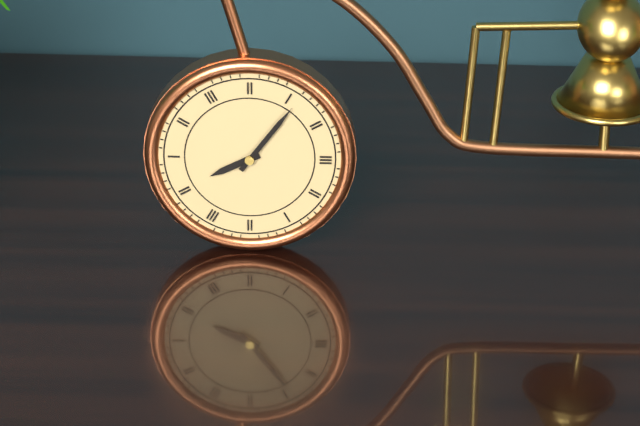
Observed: h=8 m=6
